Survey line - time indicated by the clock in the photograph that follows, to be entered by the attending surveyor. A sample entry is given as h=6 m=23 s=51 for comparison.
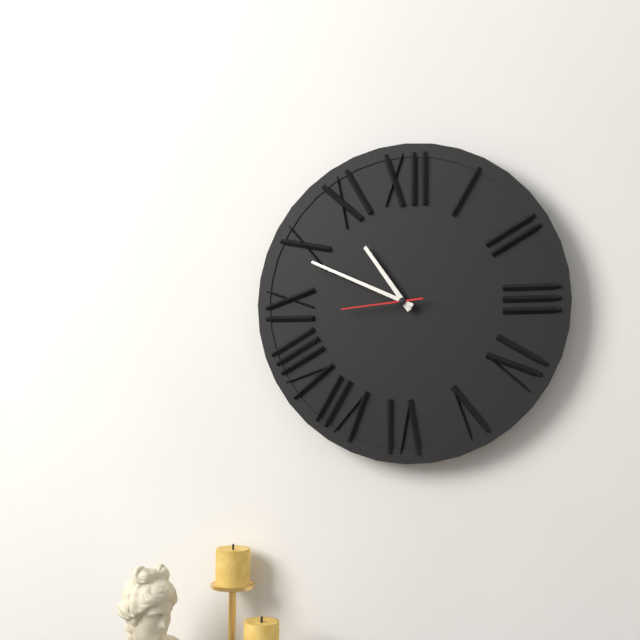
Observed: h=10 m=49 s=44
